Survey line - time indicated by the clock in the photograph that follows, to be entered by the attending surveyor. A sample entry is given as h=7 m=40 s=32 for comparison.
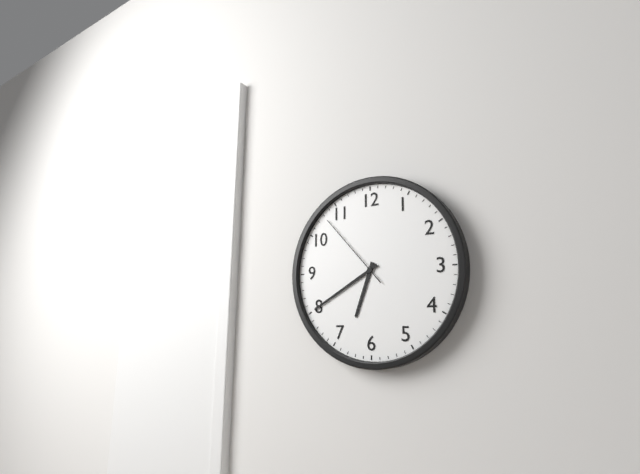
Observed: h=6 m=40 s=53
